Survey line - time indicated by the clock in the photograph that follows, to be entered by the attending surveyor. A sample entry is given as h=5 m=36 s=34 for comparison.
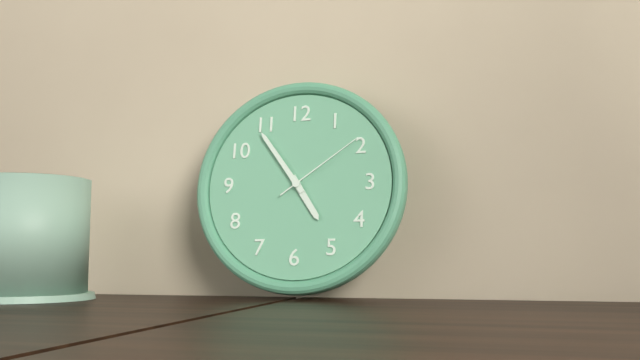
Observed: h=4 m=54 s=9
